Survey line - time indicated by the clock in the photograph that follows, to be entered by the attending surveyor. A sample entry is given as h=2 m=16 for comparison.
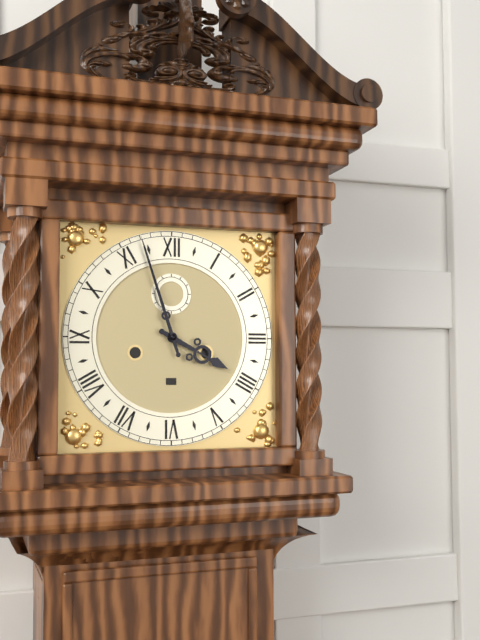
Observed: h=3 m=57
